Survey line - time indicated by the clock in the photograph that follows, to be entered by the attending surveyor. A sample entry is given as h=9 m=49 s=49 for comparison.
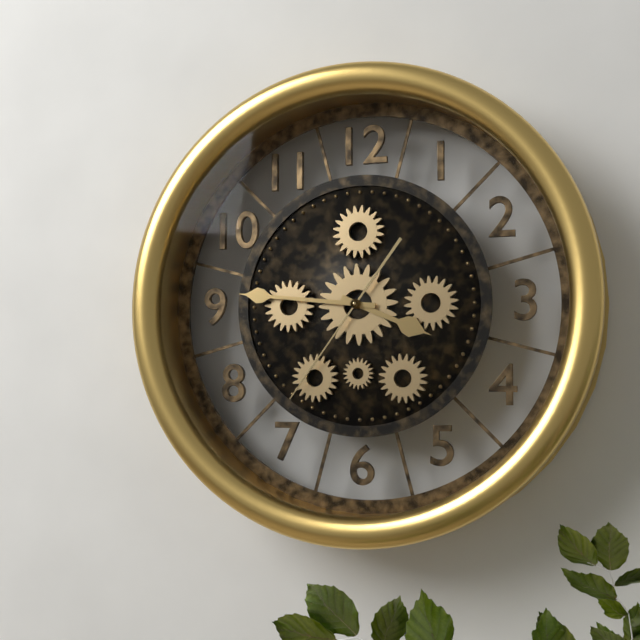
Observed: h=3 m=46 s=36
